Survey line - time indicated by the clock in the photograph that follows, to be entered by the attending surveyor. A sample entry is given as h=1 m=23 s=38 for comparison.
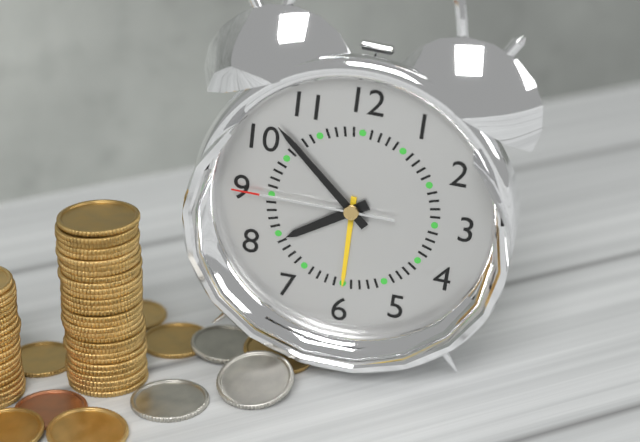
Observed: h=7 m=52 s=45
